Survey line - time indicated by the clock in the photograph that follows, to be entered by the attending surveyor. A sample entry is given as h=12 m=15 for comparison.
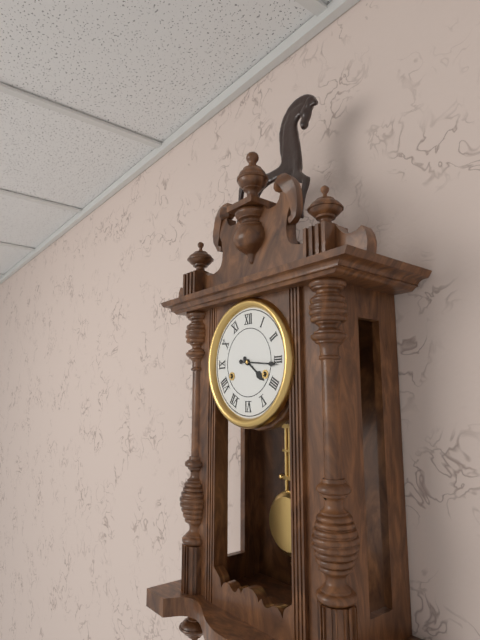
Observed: h=4 m=16
